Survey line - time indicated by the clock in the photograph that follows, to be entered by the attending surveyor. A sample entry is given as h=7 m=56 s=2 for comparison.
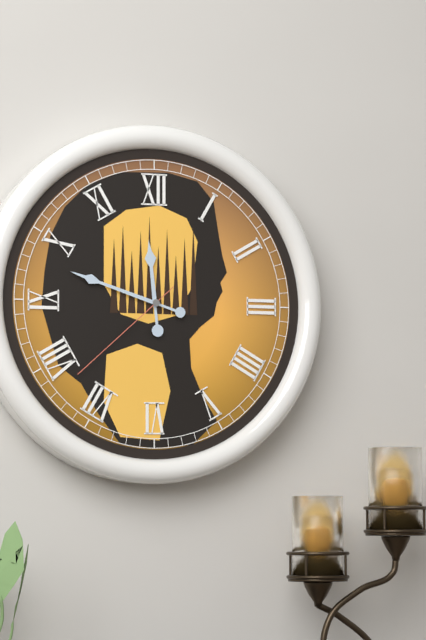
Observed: h=11 m=48 s=38
